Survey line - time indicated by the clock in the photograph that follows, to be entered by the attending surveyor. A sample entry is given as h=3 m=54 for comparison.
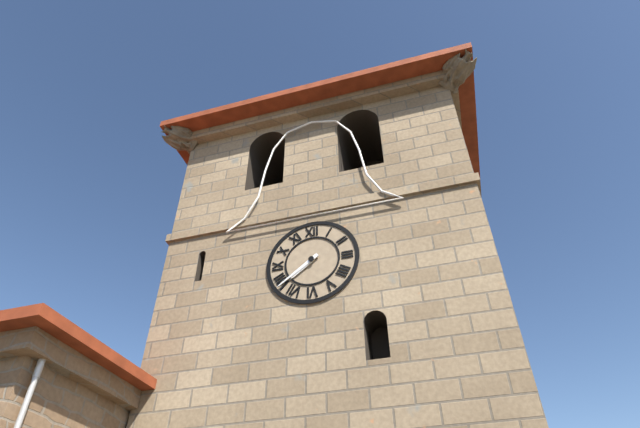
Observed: h=7 m=39
